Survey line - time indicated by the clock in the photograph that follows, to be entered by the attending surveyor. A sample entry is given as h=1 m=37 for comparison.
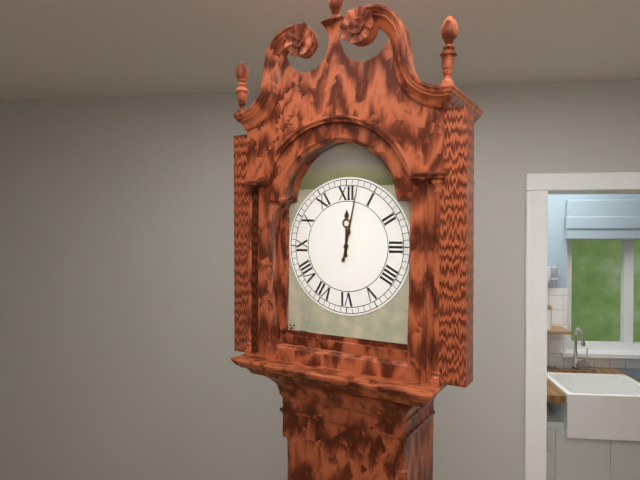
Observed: h=12 m=2
